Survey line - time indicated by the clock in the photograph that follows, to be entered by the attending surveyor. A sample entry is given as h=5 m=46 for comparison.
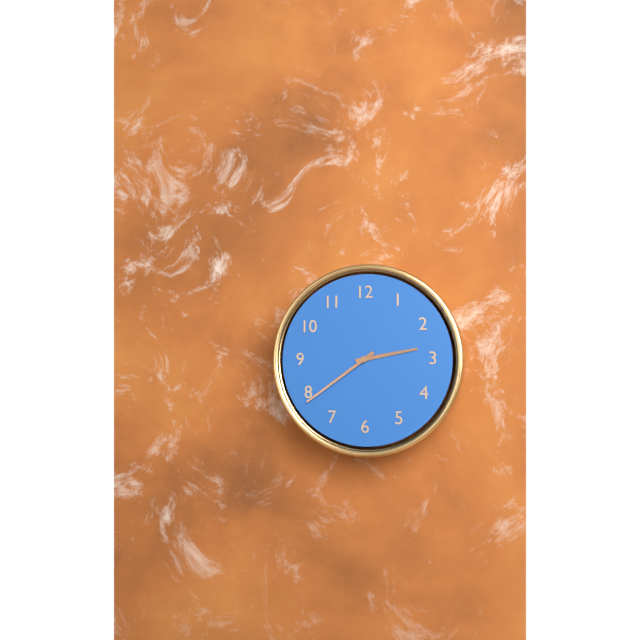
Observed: h=2 m=39
